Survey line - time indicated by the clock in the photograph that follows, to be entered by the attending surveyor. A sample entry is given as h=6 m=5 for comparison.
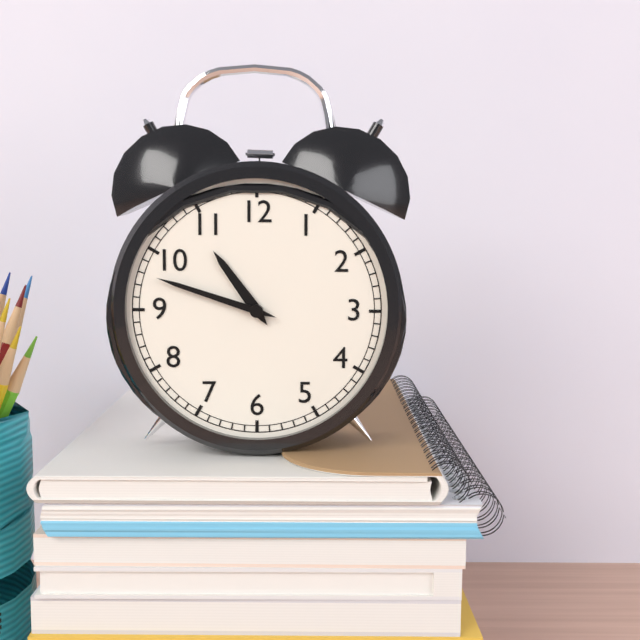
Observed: h=10 m=48
